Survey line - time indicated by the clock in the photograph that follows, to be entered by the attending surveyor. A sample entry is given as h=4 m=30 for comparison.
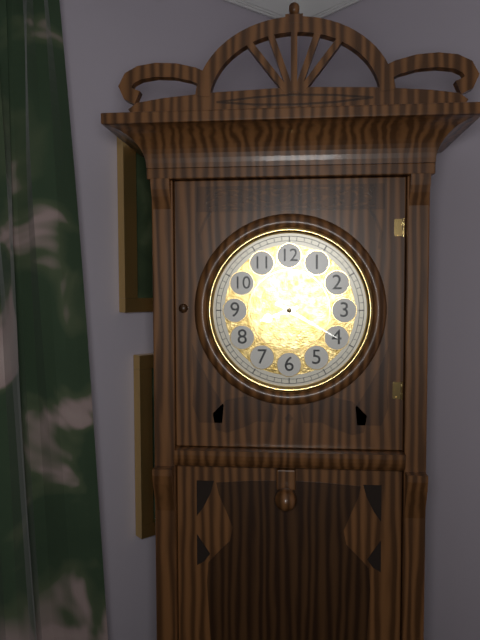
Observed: h=8 m=20
